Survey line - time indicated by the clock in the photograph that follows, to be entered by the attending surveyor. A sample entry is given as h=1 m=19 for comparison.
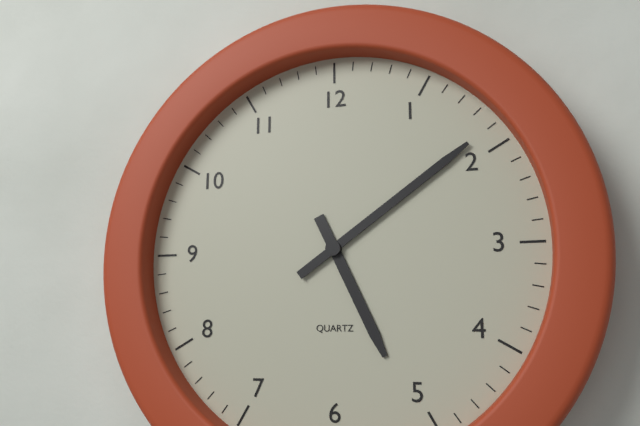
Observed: h=5 m=9
